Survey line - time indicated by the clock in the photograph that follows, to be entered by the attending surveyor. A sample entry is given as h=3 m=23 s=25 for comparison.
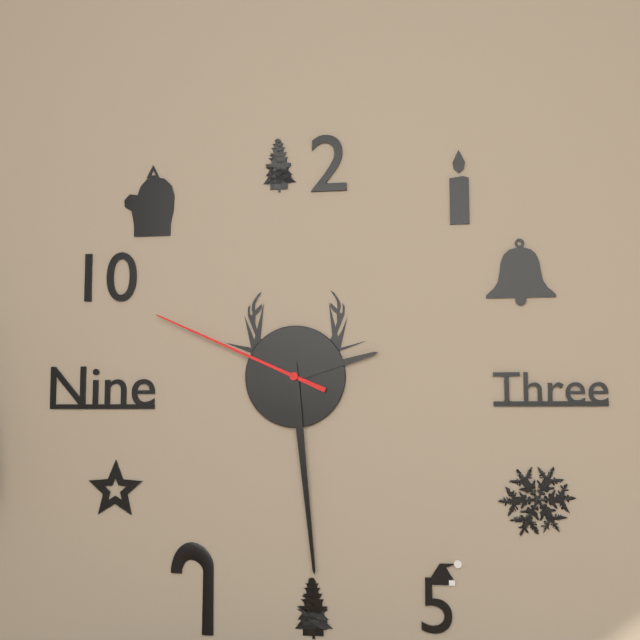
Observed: h=2 m=29 s=49
